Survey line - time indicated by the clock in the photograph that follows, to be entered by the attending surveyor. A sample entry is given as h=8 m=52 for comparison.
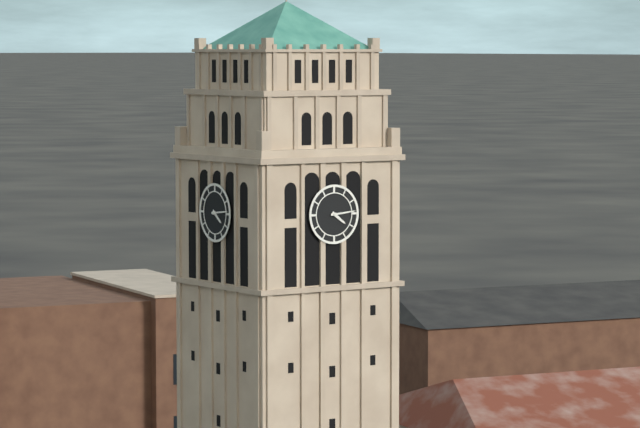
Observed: h=4 m=14
